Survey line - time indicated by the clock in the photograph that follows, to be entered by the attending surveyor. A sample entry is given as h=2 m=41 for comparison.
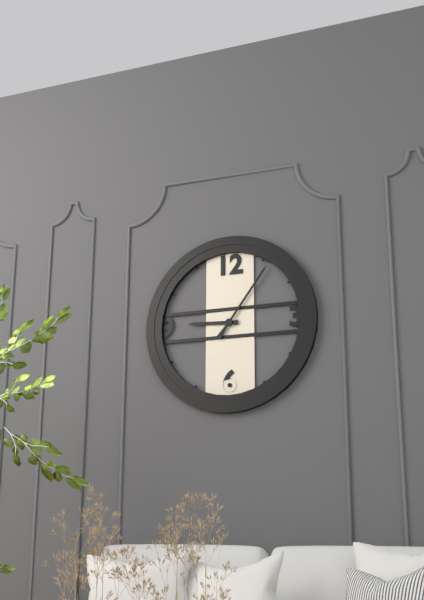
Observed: h=9 m=6
